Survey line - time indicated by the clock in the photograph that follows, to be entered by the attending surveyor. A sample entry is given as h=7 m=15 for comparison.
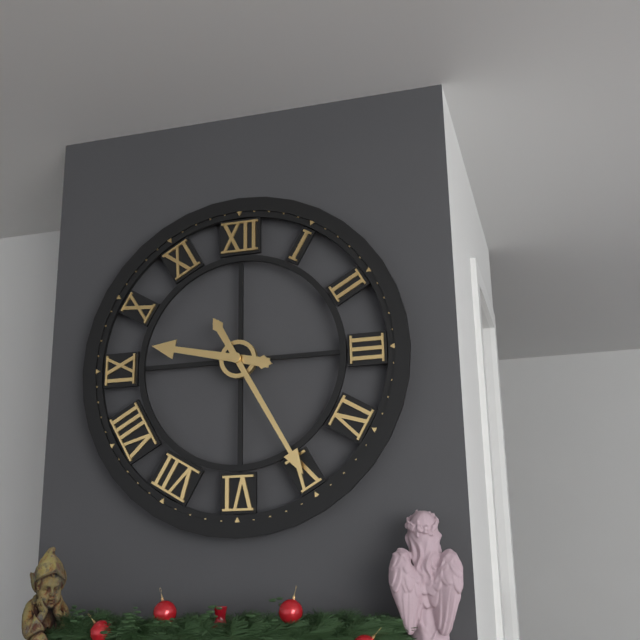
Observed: h=9 m=25
